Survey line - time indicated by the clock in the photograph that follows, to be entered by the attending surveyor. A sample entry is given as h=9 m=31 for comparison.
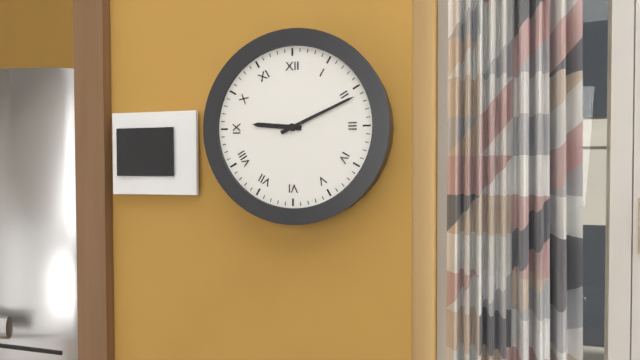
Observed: h=9 m=11
